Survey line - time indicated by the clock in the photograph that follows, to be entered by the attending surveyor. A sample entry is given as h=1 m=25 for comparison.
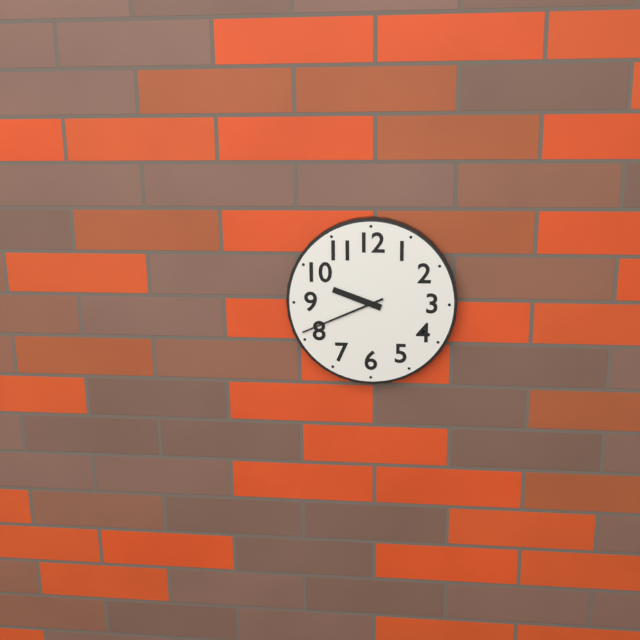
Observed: h=9 m=41
